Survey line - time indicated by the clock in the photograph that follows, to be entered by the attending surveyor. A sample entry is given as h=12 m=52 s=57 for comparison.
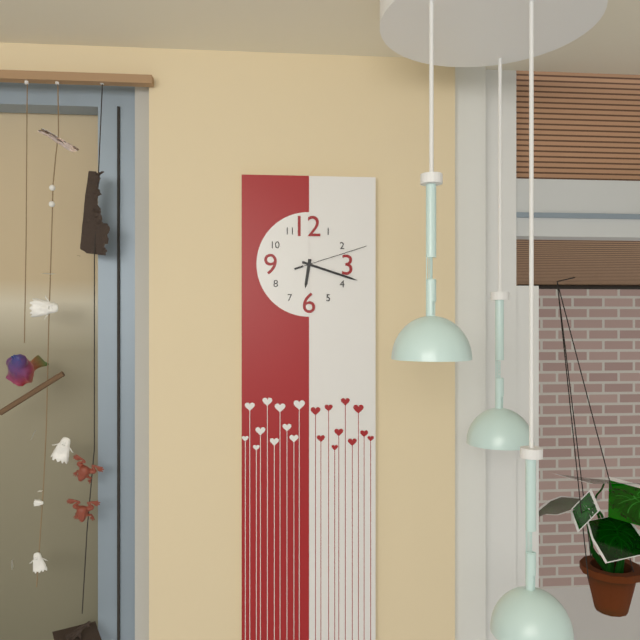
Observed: h=6 m=18 s=12
